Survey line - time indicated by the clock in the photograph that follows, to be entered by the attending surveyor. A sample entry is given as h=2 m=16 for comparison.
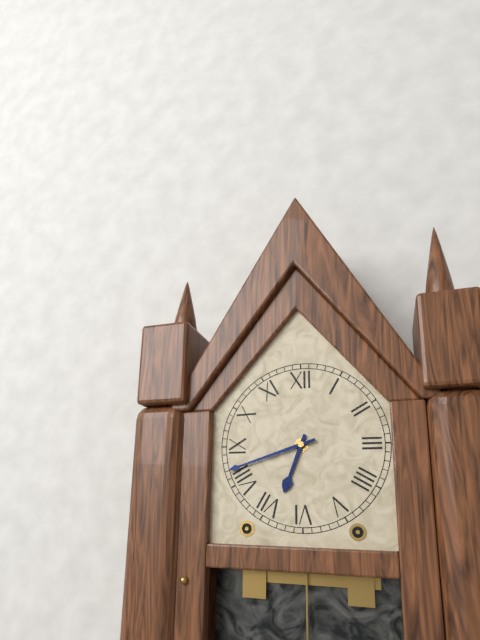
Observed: h=6 m=42
